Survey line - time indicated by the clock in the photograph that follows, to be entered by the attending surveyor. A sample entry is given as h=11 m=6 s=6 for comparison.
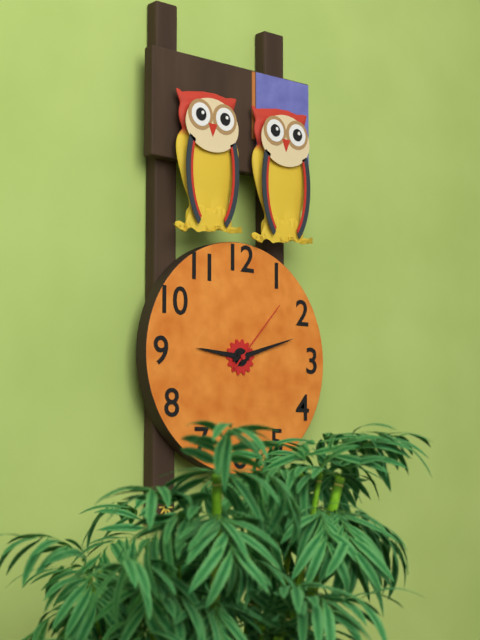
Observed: h=9 m=12 s=7
